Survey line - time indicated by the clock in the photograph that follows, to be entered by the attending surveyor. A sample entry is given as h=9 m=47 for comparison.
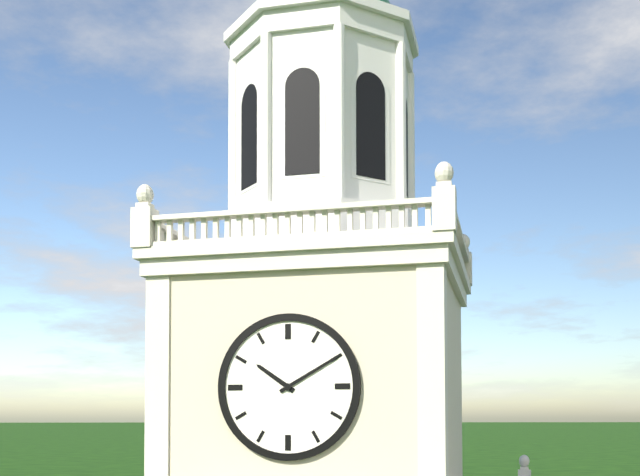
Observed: h=10 m=10
